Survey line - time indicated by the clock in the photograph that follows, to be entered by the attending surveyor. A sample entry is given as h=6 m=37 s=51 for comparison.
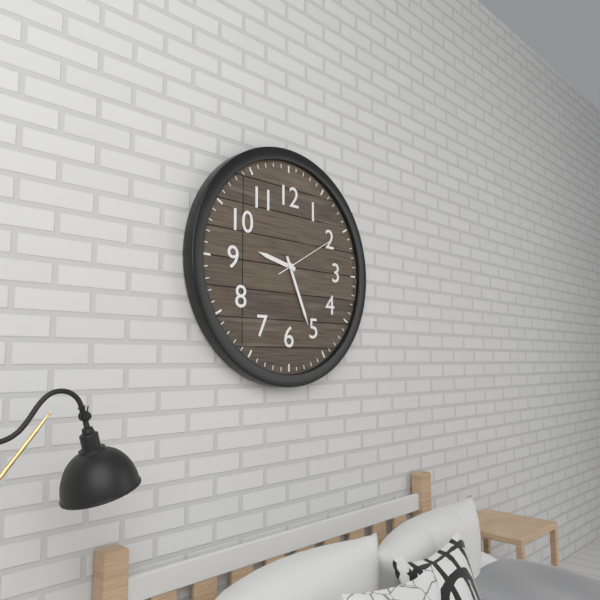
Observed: h=9 m=26 s=10
